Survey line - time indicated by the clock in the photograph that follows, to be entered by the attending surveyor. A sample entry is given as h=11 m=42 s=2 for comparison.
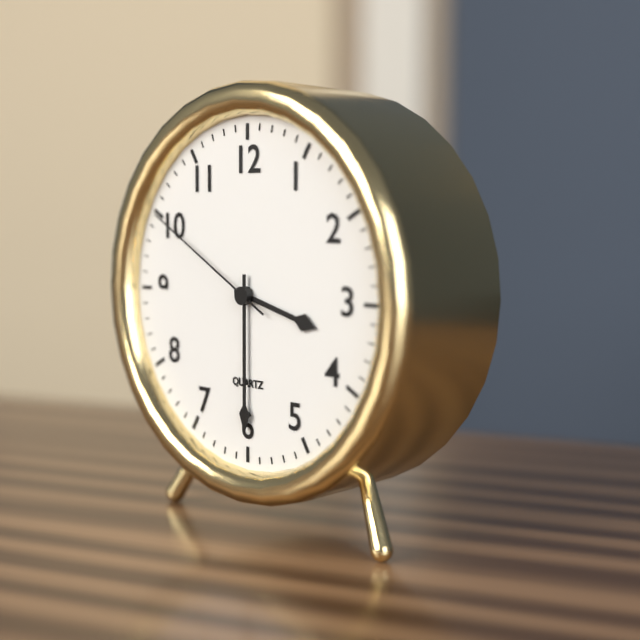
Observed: h=3 m=30 s=50
